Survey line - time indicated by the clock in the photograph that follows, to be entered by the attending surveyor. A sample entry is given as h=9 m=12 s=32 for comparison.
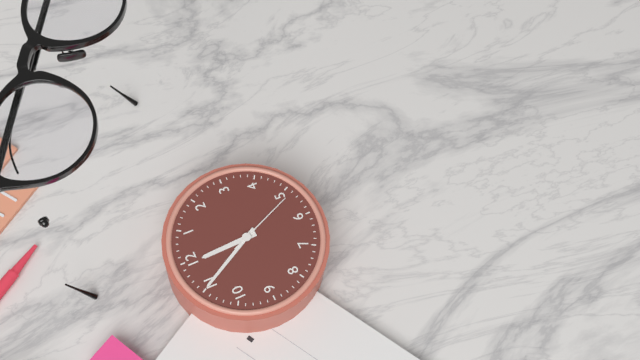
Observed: h=11 m=55 s=26
